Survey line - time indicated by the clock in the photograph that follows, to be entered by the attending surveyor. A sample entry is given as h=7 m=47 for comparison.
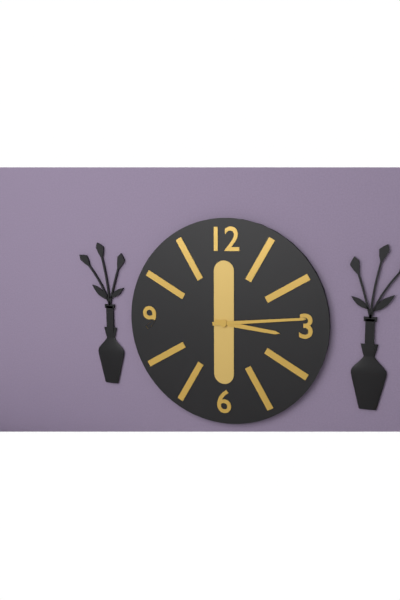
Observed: h=3 m=14
